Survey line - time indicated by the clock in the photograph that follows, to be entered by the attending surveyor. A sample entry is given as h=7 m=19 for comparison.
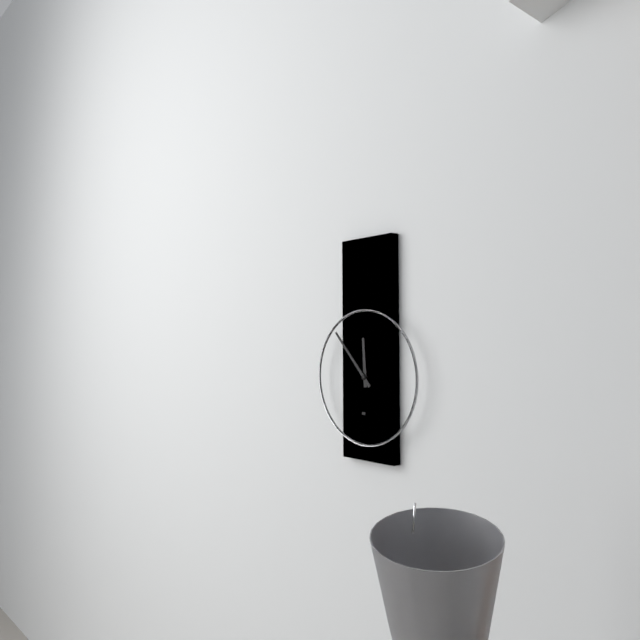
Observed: h=11 m=53
